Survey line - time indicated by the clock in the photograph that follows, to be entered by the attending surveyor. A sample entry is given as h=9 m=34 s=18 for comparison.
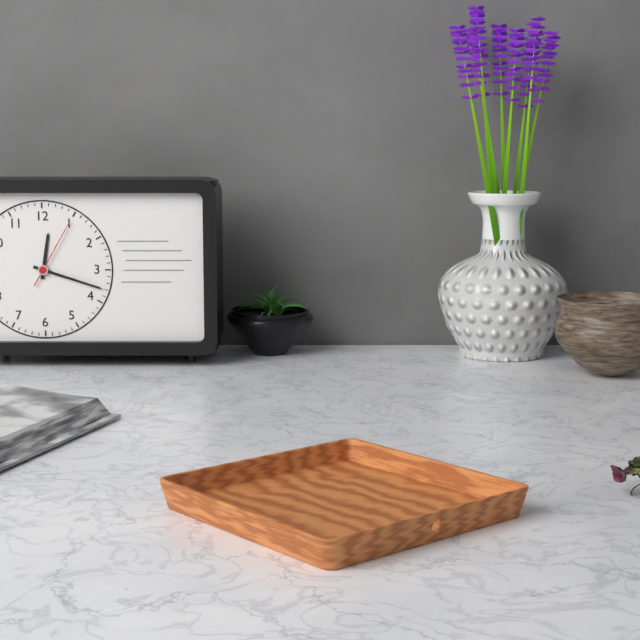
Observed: h=12 m=18 s=5
